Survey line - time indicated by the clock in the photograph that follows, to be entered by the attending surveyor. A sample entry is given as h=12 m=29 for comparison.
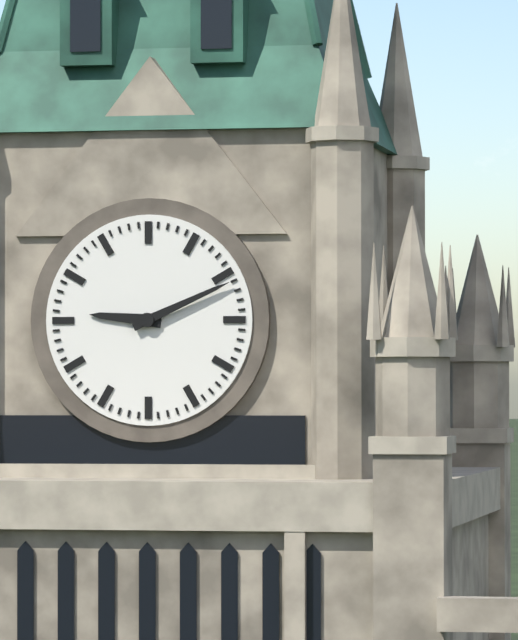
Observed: h=9 m=11
